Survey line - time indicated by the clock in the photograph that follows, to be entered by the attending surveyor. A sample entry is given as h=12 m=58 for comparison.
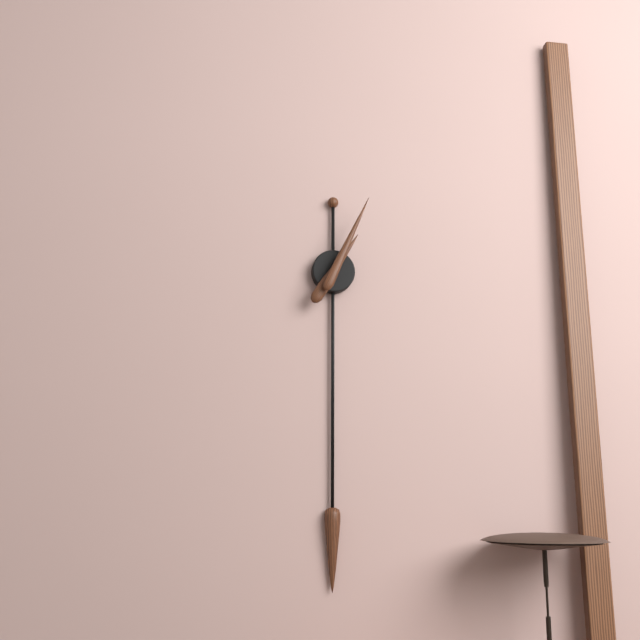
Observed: h=1 m=4
